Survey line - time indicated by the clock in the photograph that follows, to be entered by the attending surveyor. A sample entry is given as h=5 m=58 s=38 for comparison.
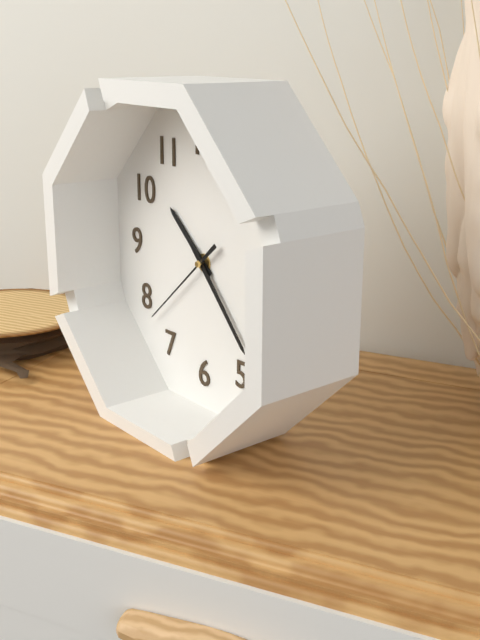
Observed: h=10 m=23 s=38
